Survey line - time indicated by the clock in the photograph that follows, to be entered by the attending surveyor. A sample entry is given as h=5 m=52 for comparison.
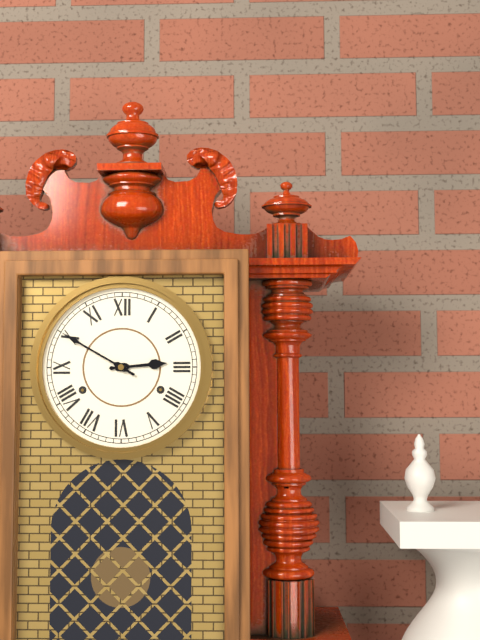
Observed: h=2 m=50
